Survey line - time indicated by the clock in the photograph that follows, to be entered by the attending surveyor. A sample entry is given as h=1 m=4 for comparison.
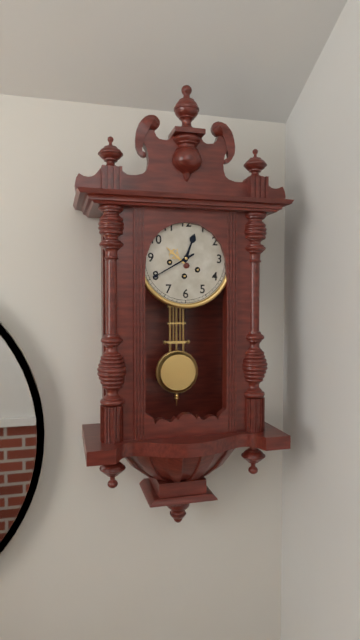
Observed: h=12 m=40
